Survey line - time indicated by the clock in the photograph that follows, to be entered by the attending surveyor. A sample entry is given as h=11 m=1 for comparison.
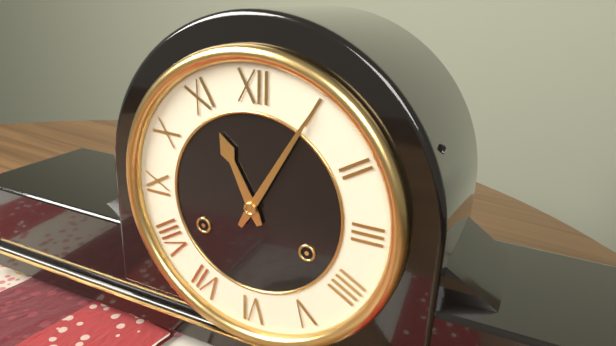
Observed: h=11 m=5
